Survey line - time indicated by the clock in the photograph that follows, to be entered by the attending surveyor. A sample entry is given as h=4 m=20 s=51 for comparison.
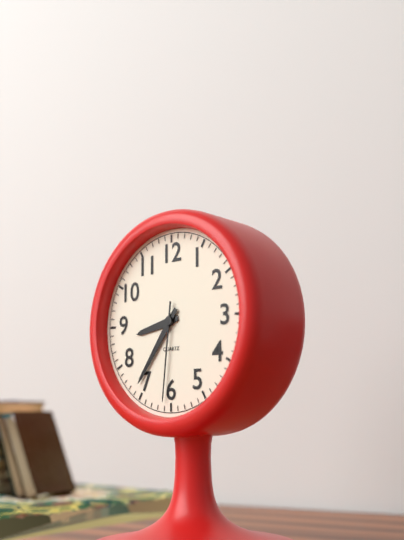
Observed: h=8 m=36 s=31
